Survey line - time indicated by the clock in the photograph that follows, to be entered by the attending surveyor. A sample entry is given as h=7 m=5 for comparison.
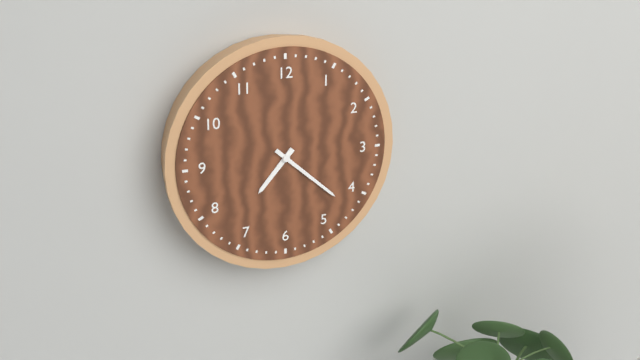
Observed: h=7 m=22
